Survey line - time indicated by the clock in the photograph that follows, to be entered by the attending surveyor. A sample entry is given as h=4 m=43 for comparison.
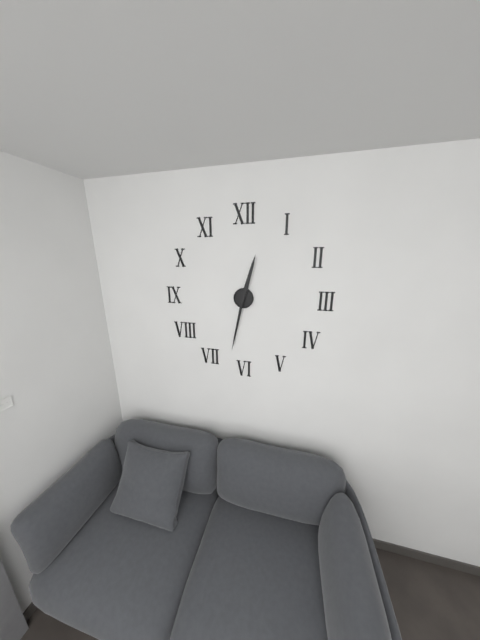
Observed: h=12 m=32
